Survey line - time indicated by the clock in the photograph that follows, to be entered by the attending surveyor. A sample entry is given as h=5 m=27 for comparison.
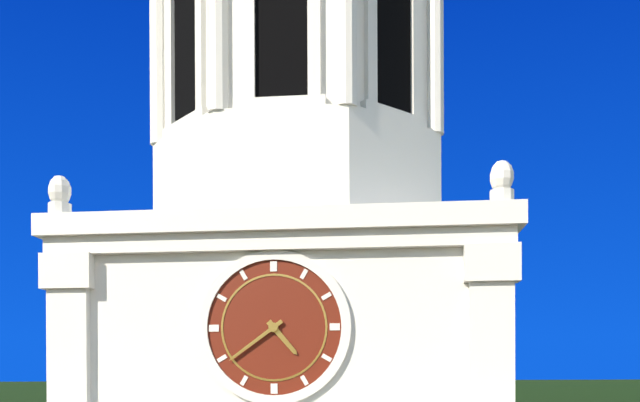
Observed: h=4 m=39
